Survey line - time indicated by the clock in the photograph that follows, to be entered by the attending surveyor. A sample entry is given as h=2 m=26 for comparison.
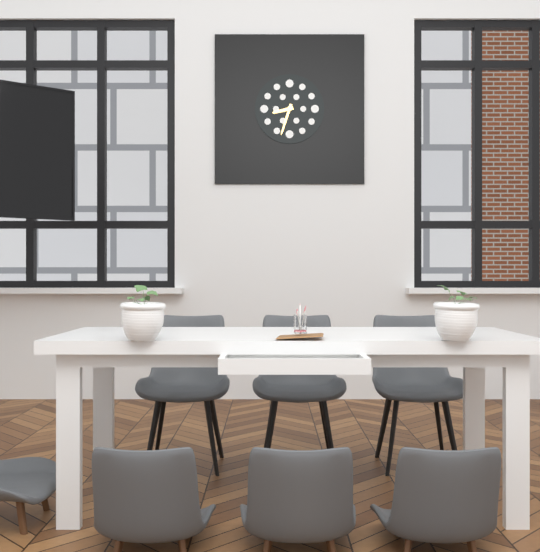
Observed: h=8 m=33
